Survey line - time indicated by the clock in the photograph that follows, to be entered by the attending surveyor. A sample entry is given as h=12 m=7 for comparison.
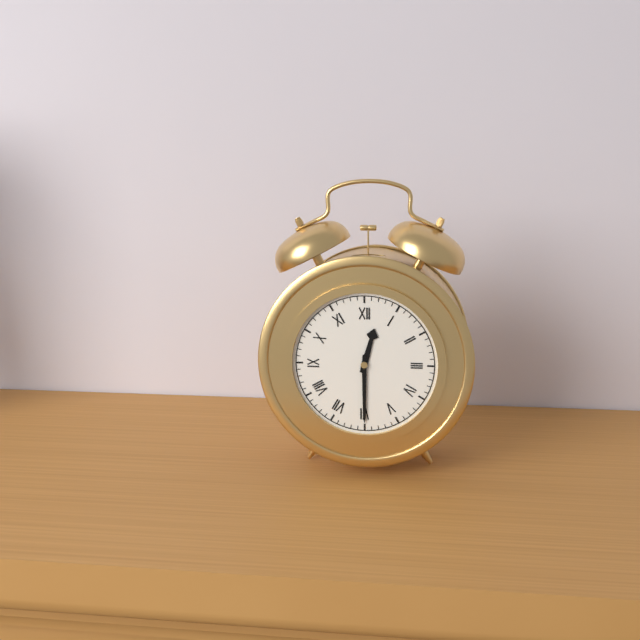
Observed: h=12 m=30
